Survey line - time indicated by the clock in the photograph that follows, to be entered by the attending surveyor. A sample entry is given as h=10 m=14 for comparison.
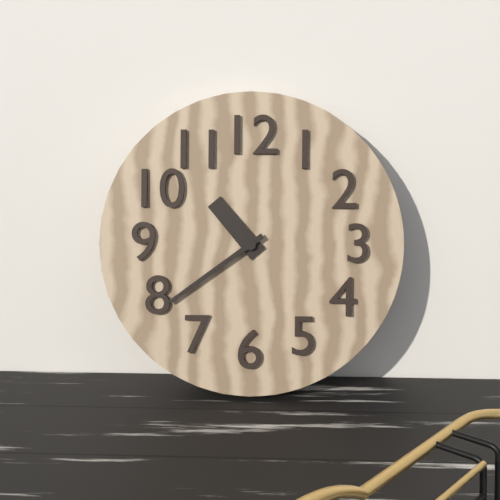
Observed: h=10 m=39
